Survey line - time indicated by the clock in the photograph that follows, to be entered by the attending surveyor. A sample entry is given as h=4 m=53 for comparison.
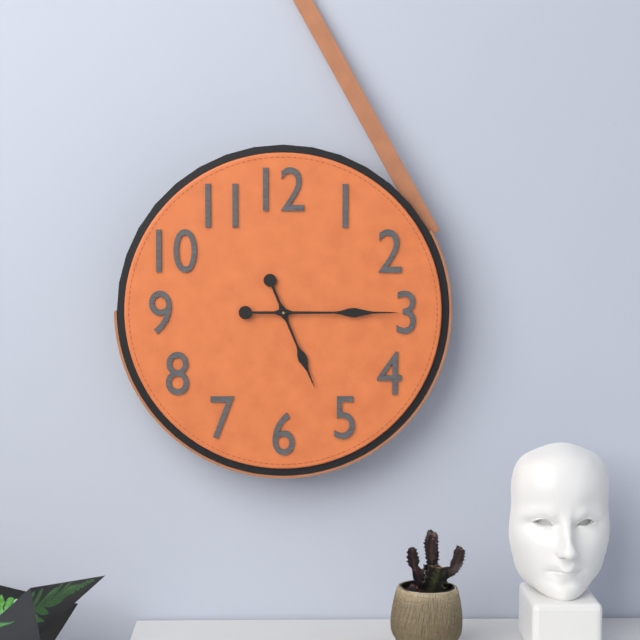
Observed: h=5 m=15
